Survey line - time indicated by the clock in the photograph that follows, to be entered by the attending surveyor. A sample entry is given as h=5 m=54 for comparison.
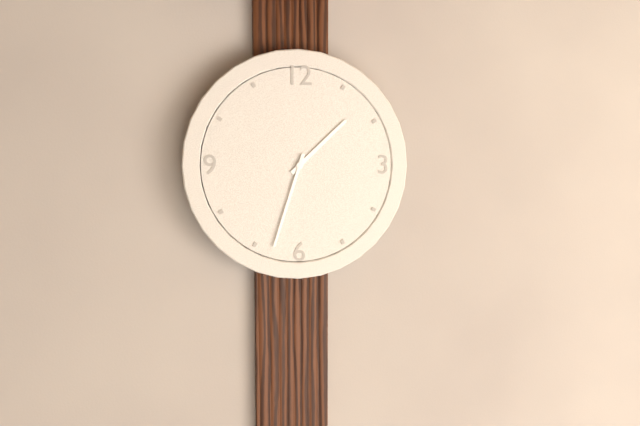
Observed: h=1 m=33
